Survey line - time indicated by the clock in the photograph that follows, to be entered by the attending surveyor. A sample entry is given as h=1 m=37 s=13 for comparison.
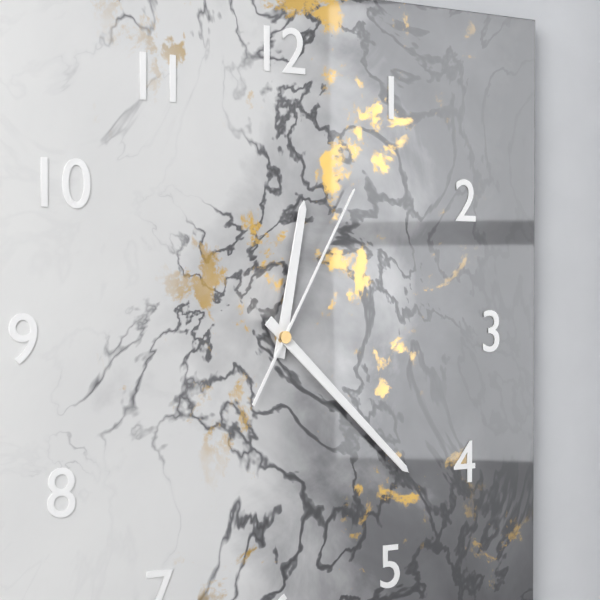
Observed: h=12 m=22 s=5
